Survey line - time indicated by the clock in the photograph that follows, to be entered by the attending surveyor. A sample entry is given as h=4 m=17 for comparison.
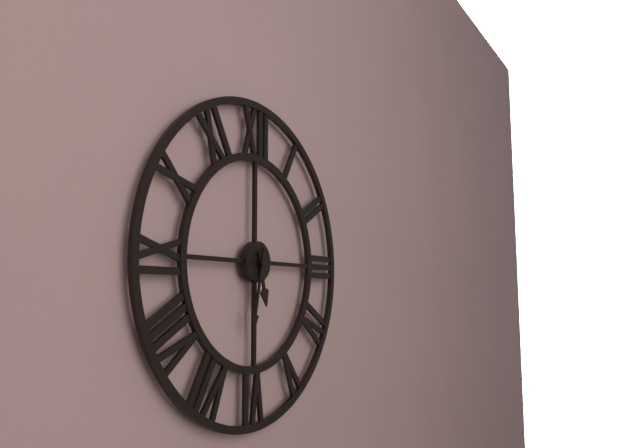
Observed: h=5 m=32
